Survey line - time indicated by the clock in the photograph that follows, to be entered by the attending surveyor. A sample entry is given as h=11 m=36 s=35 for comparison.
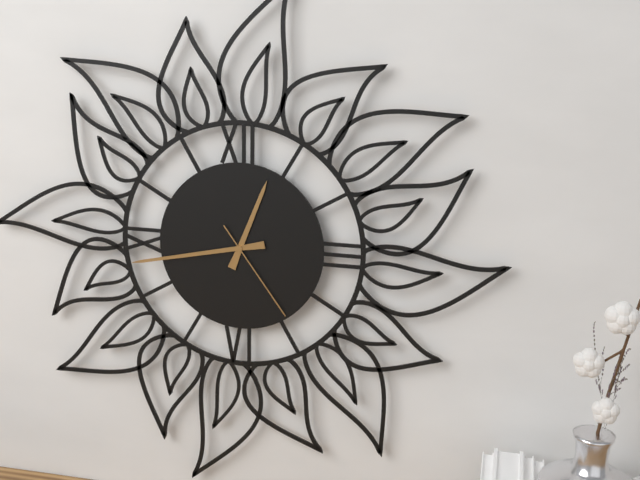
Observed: h=12 m=43 s=24
